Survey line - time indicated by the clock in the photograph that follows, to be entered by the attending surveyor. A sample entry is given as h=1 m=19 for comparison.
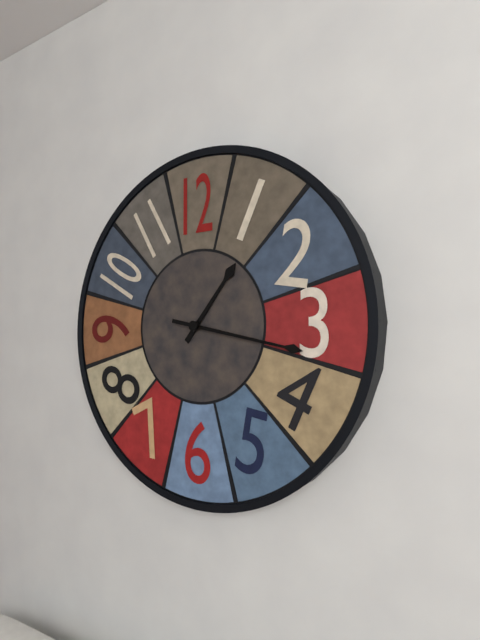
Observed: h=1 m=17
